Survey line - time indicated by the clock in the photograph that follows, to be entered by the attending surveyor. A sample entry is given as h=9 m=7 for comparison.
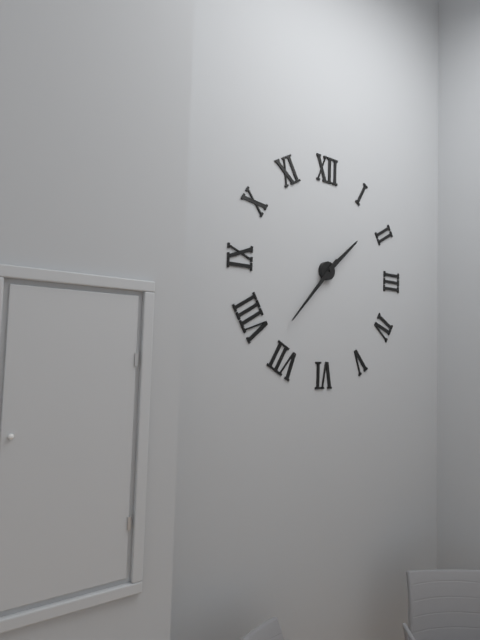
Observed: h=1 m=37
